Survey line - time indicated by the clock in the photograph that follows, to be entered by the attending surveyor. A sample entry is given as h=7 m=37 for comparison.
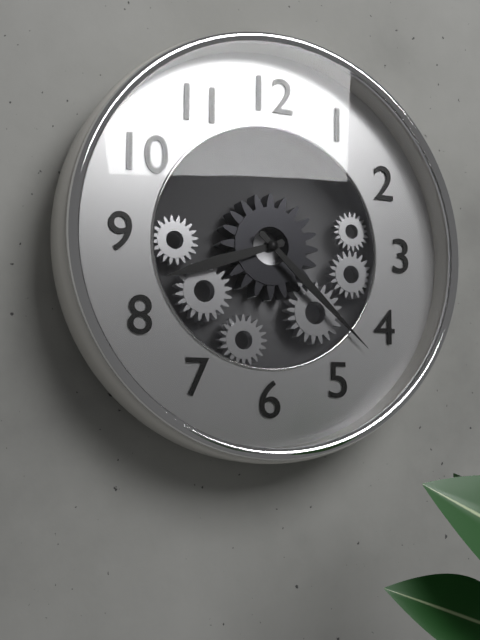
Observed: h=8 m=22
